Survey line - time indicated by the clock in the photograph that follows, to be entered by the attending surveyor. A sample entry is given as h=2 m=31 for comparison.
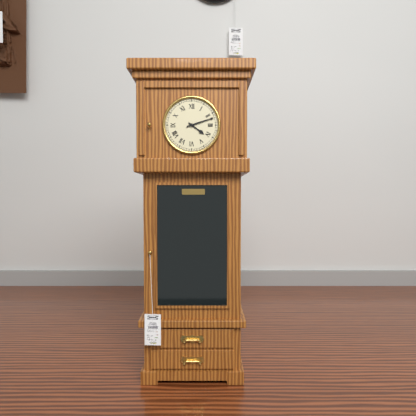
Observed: h=4 m=12
